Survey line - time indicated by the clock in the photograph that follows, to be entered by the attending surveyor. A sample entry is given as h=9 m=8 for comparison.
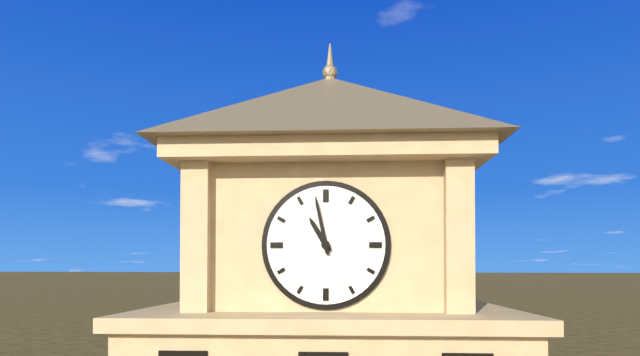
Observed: h=10 m=58
